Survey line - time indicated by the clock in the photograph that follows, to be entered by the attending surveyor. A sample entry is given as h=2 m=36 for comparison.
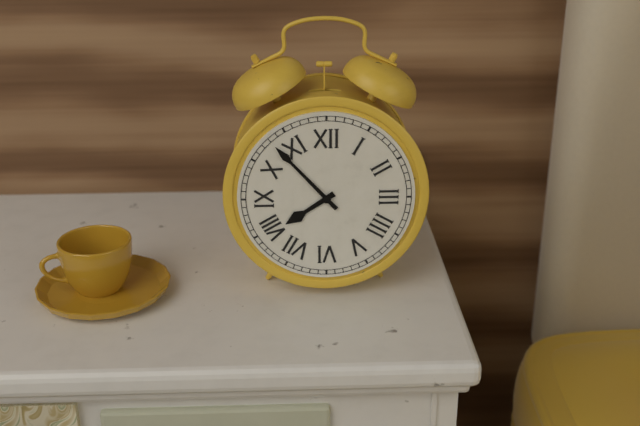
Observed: h=7 m=53
